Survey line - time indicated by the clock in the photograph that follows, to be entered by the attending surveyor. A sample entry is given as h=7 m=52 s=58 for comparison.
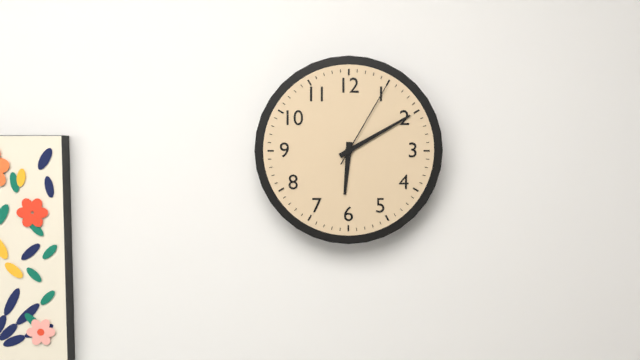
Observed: h=6 m=10 s=5
